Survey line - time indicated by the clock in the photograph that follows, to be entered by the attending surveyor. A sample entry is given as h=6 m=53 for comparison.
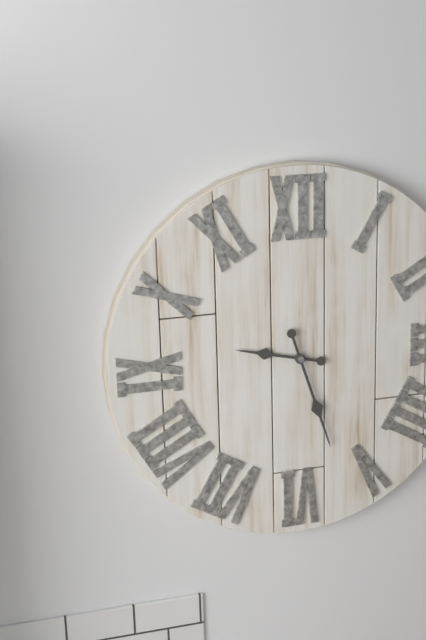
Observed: h=9 m=27
